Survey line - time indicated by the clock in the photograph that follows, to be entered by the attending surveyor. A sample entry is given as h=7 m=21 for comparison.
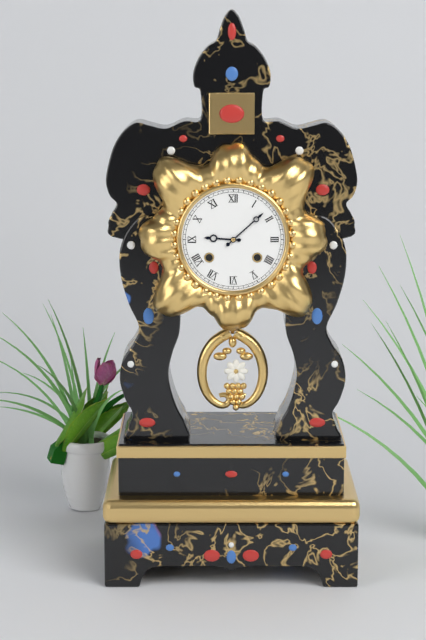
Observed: h=9 m=8
